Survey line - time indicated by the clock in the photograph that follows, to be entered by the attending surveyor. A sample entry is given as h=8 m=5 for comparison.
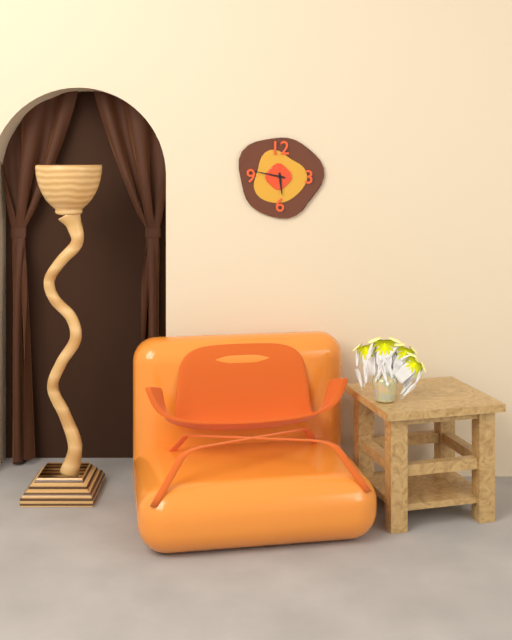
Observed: h=5 m=47
